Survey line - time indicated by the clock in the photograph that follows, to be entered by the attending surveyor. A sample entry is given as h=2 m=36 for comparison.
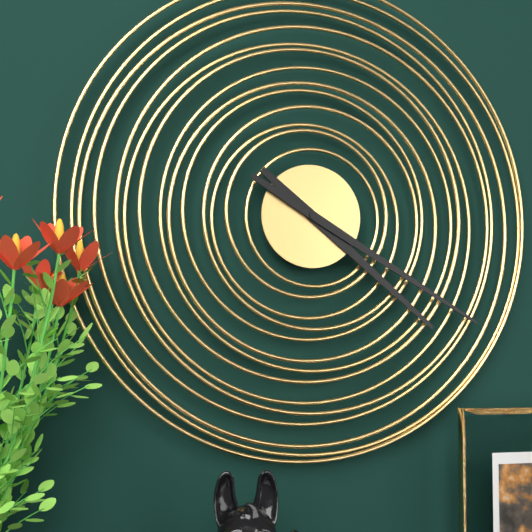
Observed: h=4 m=20
